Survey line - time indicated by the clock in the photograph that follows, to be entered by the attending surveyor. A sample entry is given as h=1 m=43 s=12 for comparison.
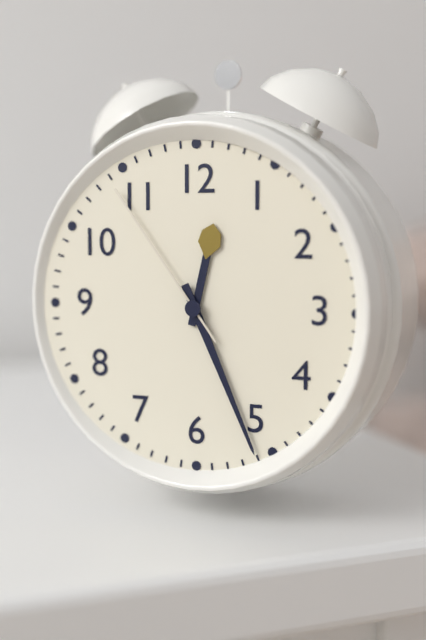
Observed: h=12 m=26 s=54
